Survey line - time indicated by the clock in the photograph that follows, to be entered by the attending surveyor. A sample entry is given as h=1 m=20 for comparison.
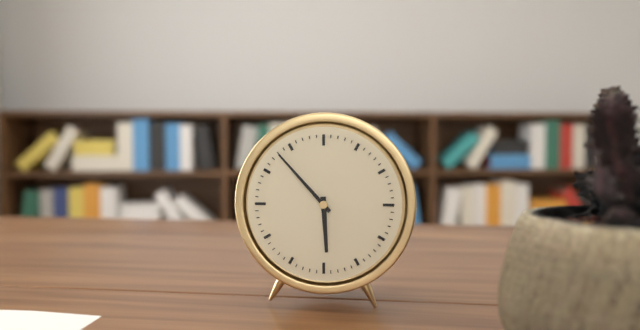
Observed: h=5 m=53
